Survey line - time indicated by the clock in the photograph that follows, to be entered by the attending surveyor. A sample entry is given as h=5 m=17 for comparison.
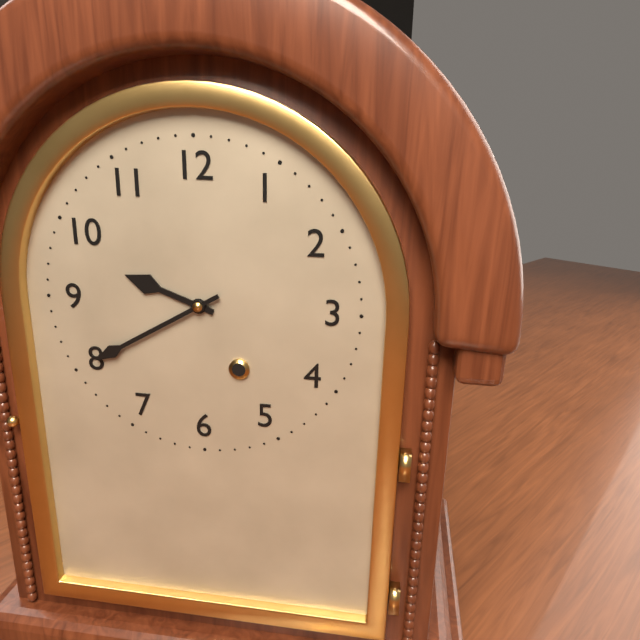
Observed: h=9 m=40
